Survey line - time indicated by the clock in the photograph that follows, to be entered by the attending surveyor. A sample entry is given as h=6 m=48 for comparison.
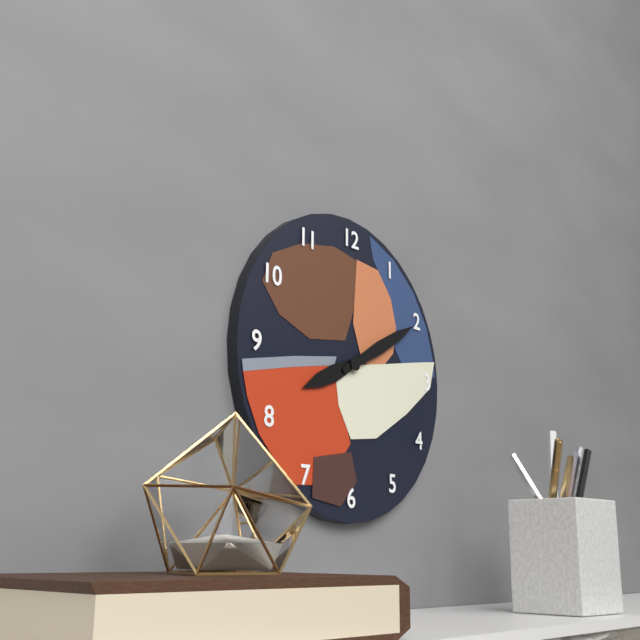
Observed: h=8 m=10
